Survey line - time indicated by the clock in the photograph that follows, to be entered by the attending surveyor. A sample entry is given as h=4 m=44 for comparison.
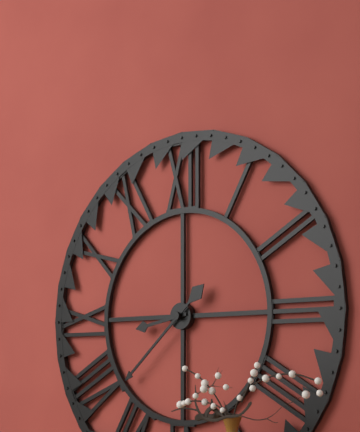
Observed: h=8 m=38
